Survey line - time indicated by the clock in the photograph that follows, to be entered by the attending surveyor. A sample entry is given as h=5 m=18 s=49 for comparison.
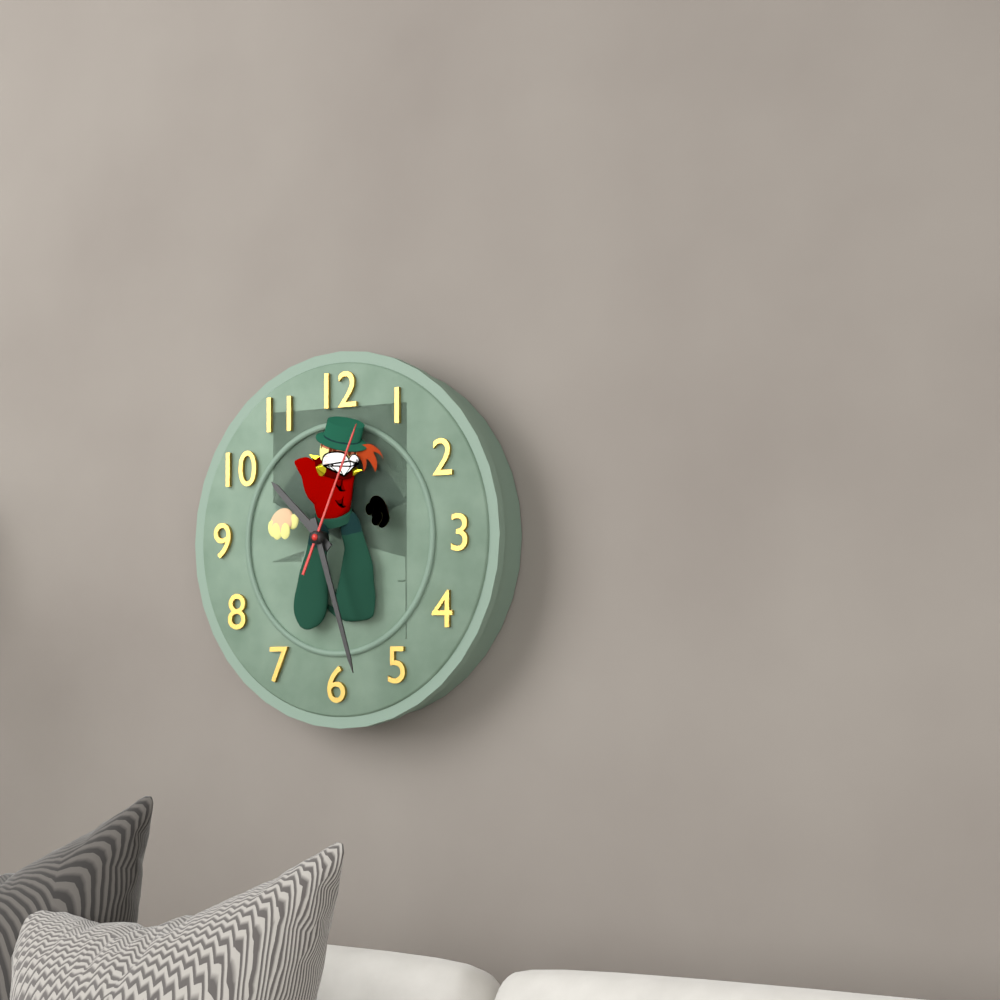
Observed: h=10 m=27 s=4
